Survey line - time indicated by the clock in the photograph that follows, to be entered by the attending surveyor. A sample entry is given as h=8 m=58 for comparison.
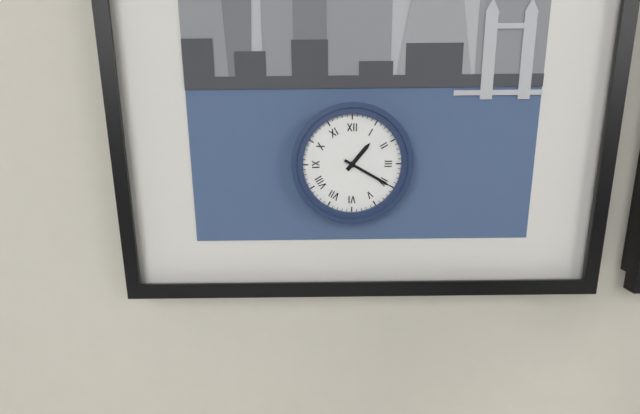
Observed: h=1 m=20
